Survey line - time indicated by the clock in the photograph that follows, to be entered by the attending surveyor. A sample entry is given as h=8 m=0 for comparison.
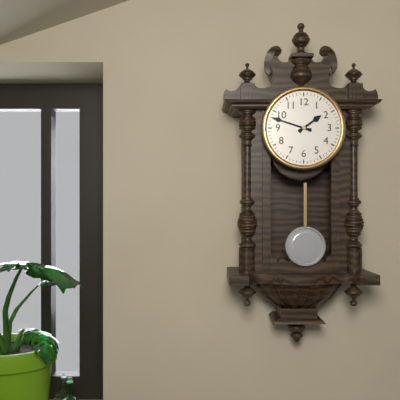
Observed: h=1 m=48
